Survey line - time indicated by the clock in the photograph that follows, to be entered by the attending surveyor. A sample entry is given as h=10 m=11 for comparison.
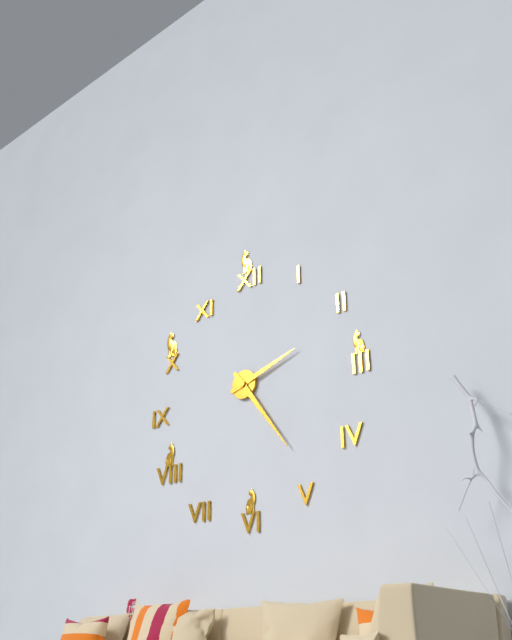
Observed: h=2 m=24
